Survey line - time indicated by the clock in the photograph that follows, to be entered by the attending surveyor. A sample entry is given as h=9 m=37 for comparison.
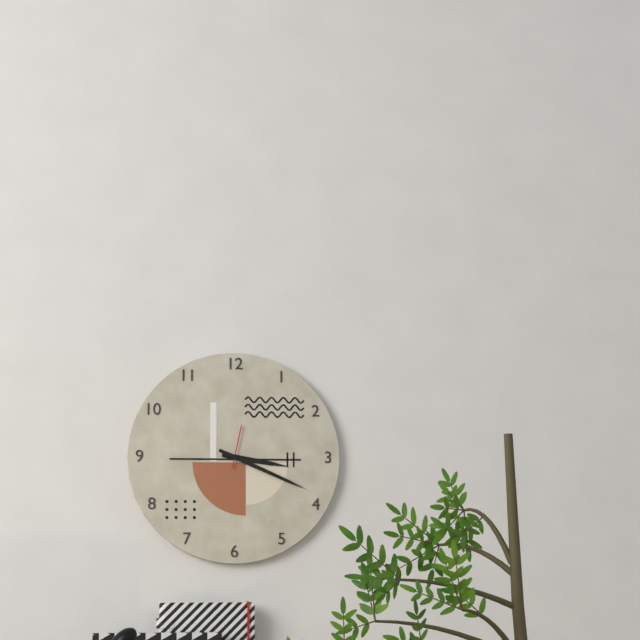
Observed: h=3 m=19
